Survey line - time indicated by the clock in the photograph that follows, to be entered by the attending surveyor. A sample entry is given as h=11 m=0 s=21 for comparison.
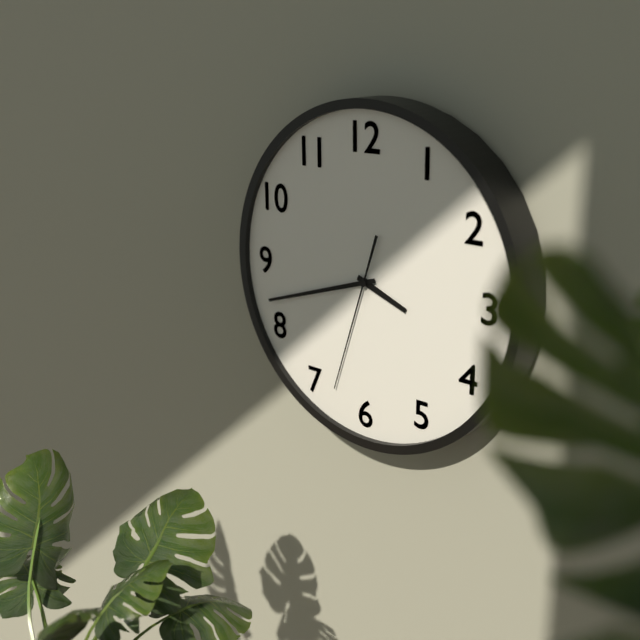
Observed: h=3 m=42 s=33
